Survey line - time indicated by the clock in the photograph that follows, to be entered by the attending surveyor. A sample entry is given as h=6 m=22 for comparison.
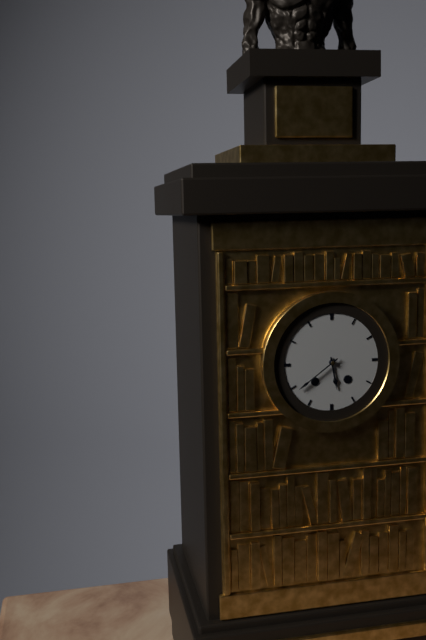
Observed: h=5 m=39
